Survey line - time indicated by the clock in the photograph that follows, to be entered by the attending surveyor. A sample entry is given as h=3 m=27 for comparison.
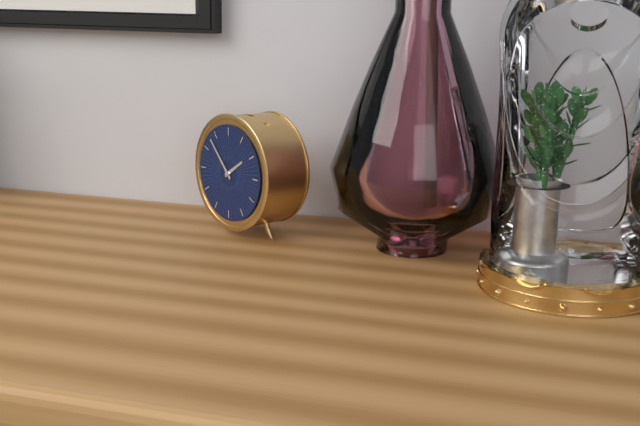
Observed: h=1 m=53
